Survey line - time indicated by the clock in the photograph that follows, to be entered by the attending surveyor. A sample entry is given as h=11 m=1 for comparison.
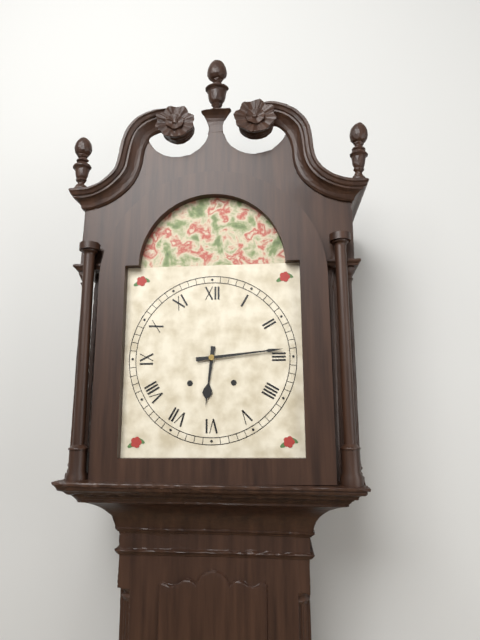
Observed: h=6 m=14
